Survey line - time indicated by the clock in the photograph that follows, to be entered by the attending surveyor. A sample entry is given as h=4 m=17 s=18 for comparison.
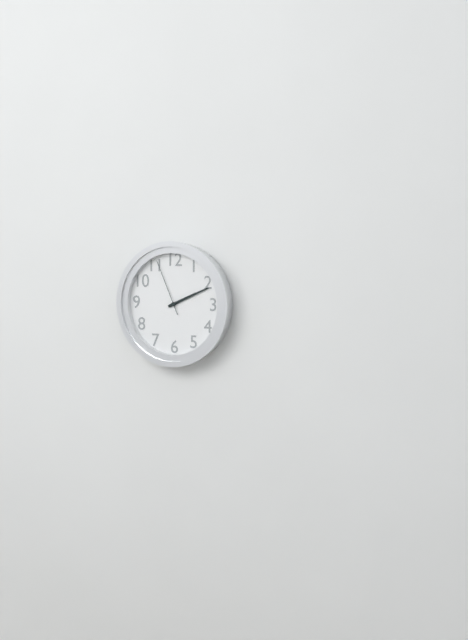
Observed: h=2 m=11 s=56
